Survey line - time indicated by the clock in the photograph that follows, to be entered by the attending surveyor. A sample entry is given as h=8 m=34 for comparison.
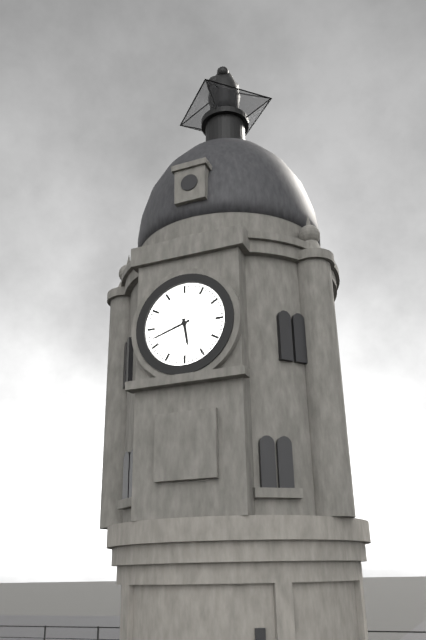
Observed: h=5 m=42
